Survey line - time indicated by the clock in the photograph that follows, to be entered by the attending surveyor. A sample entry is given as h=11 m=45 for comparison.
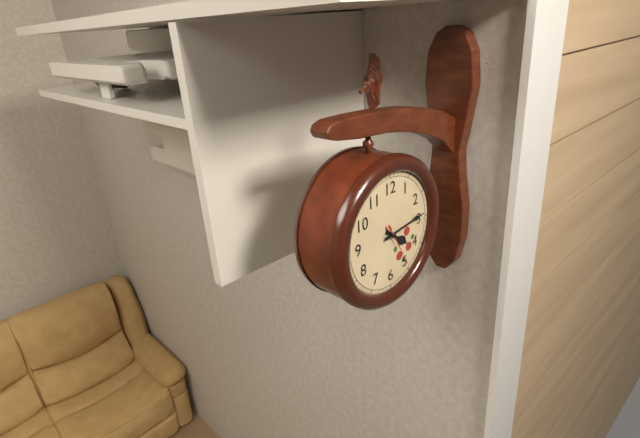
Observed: h=4 m=14
